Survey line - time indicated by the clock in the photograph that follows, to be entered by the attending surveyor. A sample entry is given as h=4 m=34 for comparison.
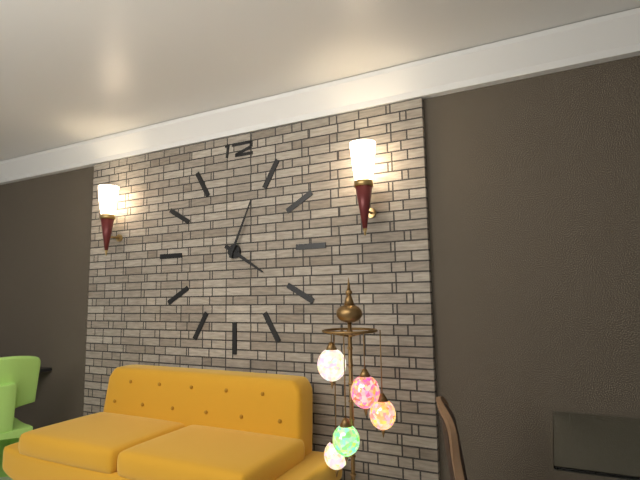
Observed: h=4 m=4
